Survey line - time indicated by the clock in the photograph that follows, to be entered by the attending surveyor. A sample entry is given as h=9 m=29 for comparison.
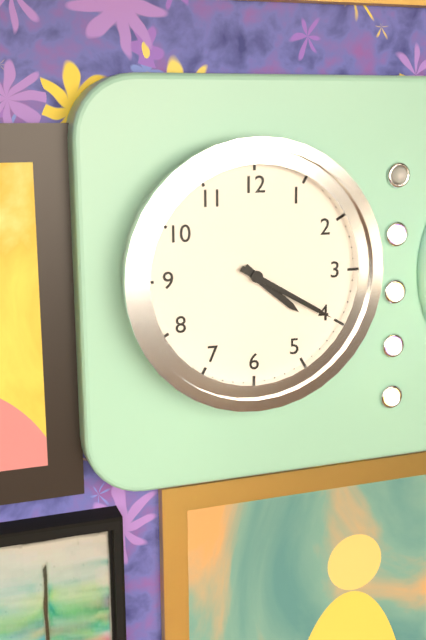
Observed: h=4 m=20
